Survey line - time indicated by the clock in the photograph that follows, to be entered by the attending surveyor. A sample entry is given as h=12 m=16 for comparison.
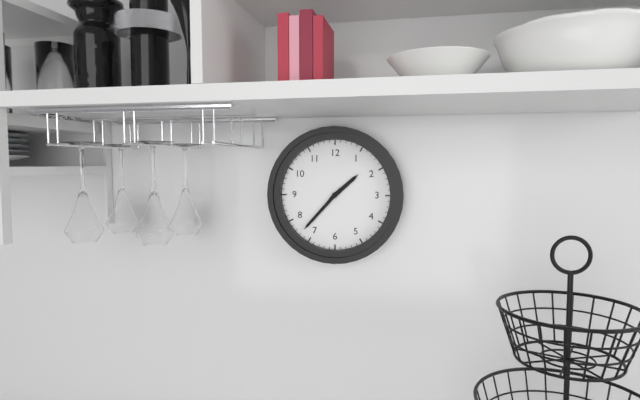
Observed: h=1 m=37
